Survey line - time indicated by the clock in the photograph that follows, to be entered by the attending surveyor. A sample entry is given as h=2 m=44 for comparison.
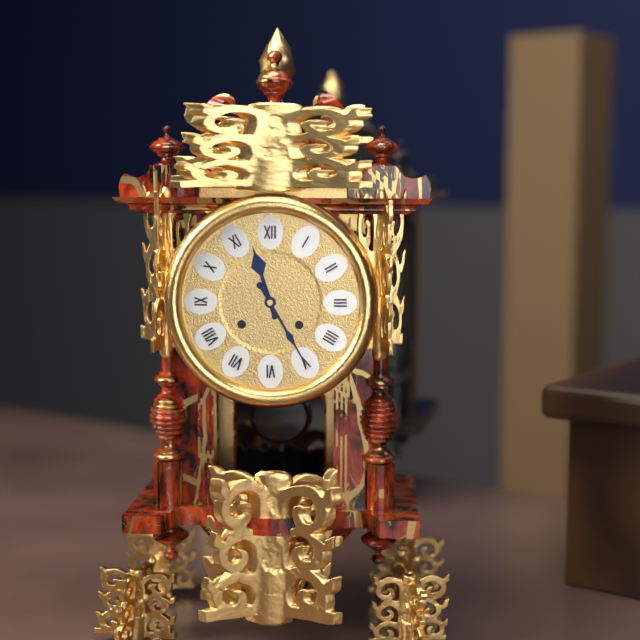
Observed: h=11 m=25
